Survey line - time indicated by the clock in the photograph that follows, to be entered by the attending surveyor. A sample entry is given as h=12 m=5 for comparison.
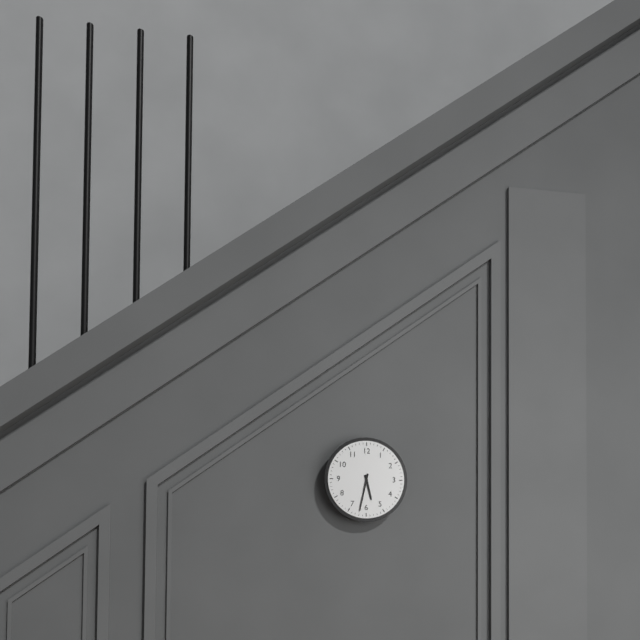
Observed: h=5 m=32
